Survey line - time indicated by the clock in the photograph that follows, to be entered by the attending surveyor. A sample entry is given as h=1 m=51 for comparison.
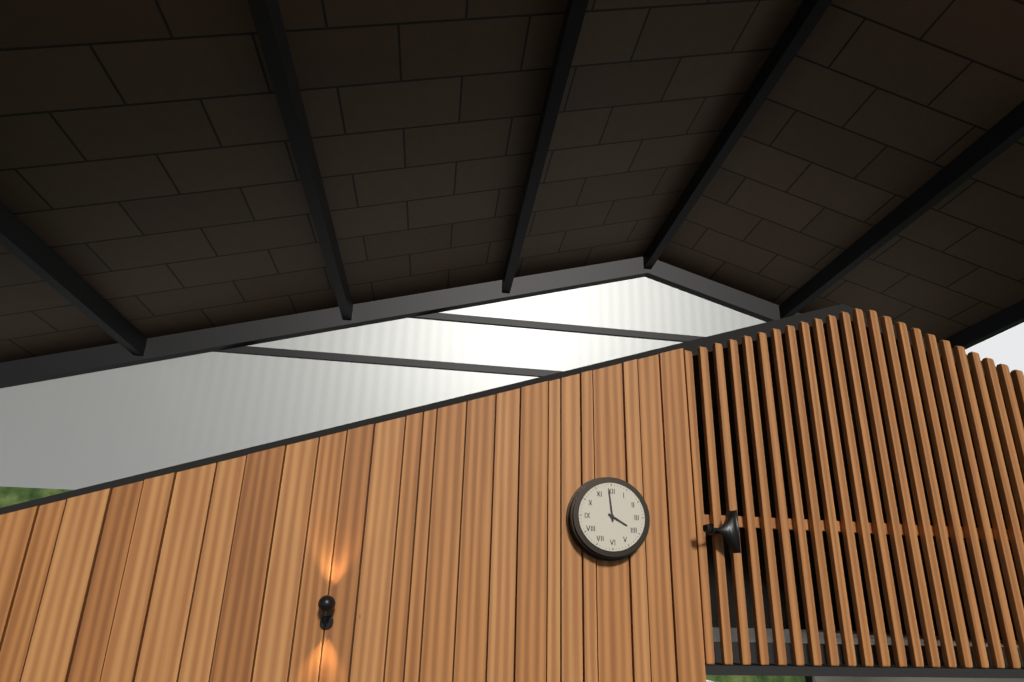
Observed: h=3 m=59
